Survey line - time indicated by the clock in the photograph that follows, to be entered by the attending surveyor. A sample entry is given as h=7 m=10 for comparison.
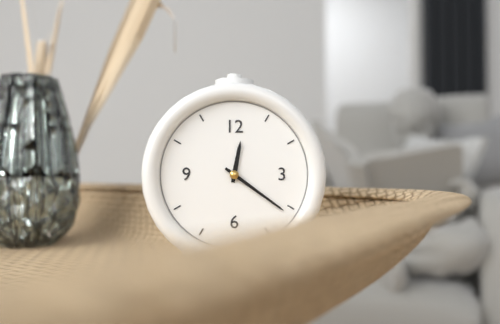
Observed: h=12 m=21
